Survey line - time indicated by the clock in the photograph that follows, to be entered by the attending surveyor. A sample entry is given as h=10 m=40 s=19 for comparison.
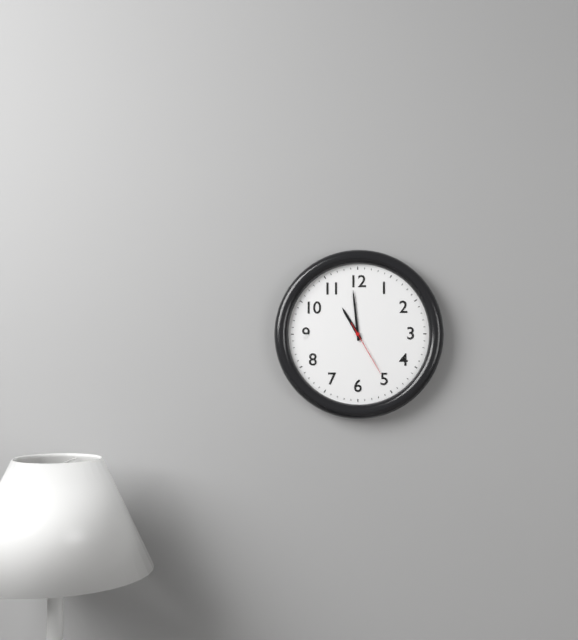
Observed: h=10 m=59 s=25
